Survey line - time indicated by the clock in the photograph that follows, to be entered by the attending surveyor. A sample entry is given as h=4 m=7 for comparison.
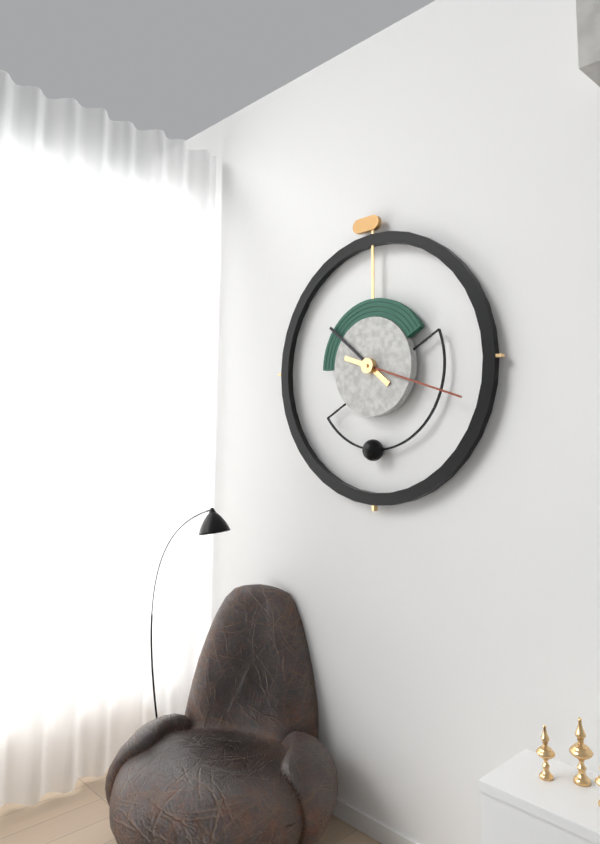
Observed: h=10 m=18
